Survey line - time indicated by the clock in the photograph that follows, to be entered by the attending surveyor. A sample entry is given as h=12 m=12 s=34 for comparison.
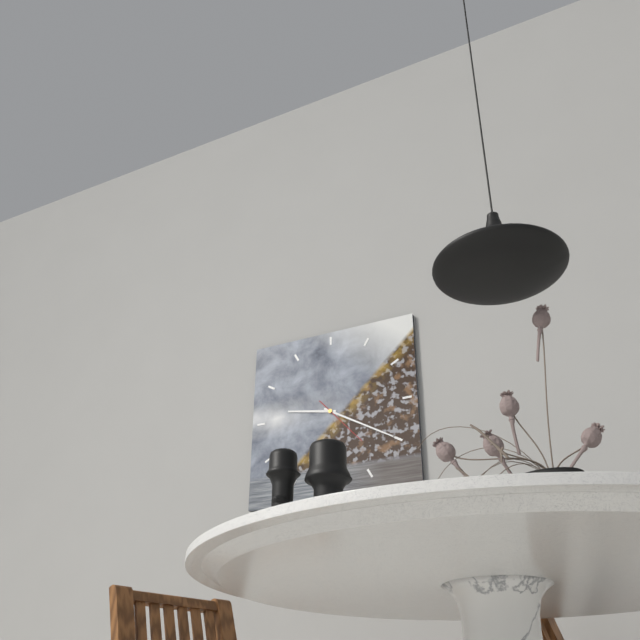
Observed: h=9 m=20 s=23
